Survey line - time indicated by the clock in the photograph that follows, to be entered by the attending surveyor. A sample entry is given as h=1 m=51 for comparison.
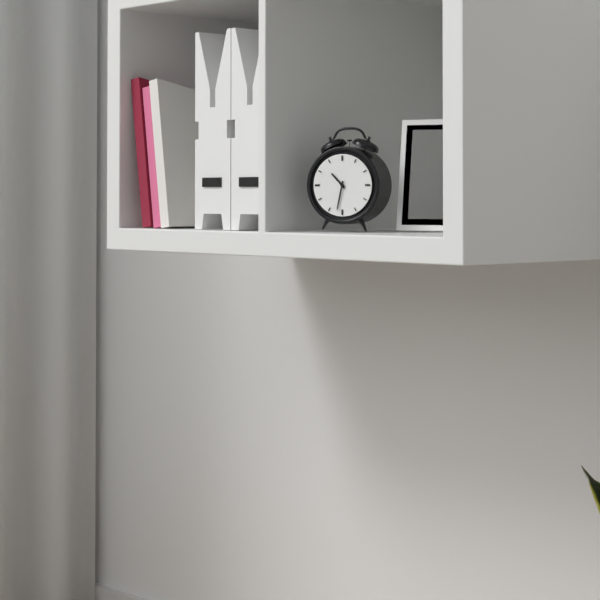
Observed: h=10 m=32
